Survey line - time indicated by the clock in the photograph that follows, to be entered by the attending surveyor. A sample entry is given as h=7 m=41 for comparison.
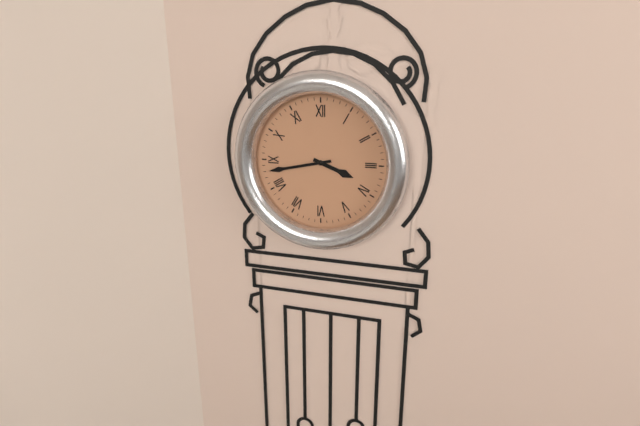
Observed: h=3 m=43
